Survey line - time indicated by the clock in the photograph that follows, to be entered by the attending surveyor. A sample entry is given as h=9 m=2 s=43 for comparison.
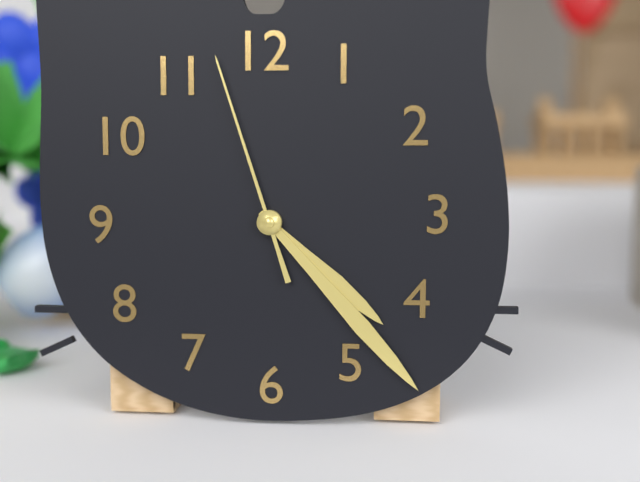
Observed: h=4 m=23 s=57
